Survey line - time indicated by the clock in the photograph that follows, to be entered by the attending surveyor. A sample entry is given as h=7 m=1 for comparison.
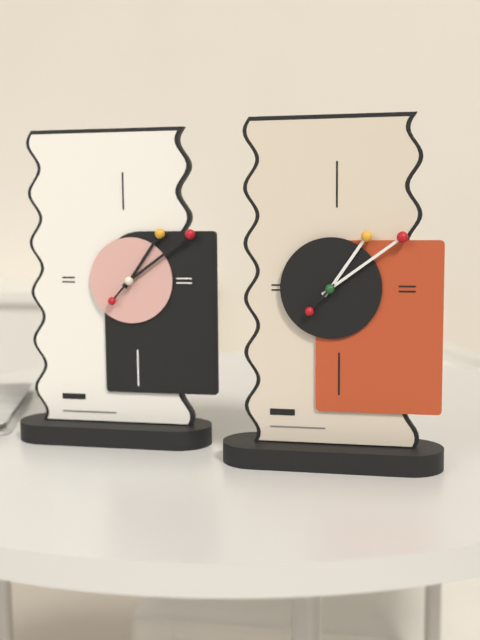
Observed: h=1 m=9
